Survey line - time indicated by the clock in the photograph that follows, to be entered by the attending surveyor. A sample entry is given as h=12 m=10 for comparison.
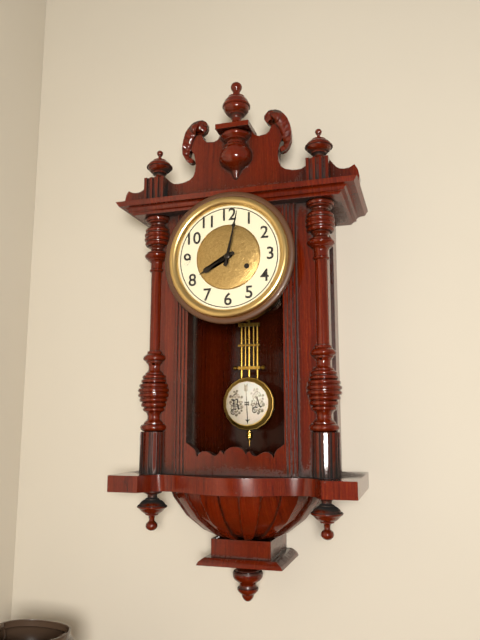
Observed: h=8 m=2
